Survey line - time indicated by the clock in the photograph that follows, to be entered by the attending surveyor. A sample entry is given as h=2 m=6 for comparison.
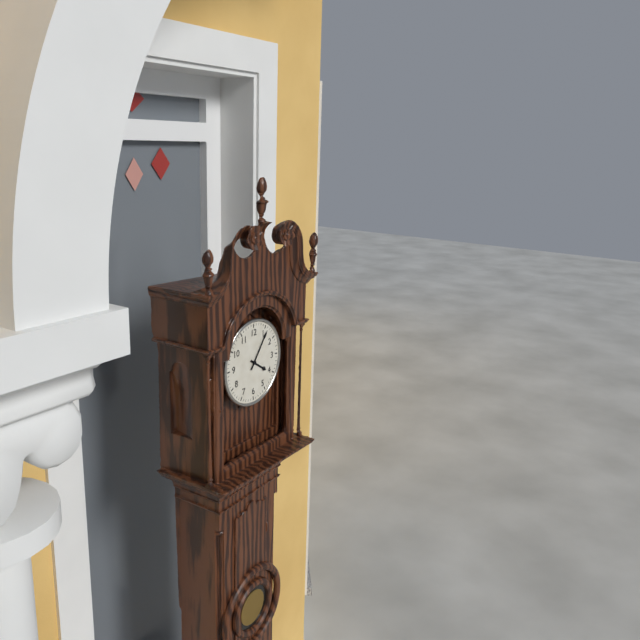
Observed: h=4 m=6
